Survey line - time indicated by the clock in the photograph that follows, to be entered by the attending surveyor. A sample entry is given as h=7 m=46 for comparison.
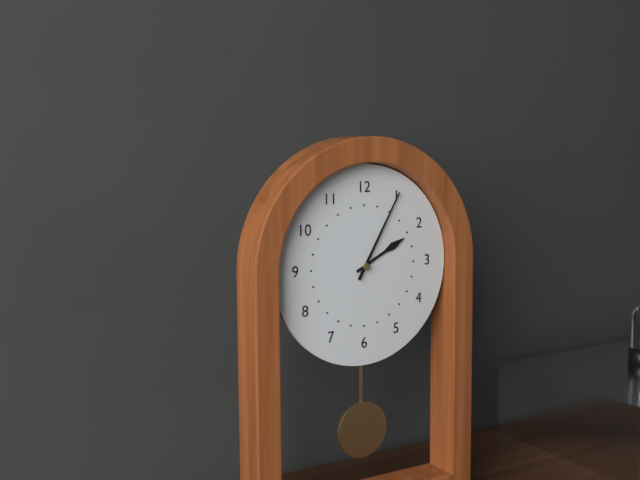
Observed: h=2 m=5
